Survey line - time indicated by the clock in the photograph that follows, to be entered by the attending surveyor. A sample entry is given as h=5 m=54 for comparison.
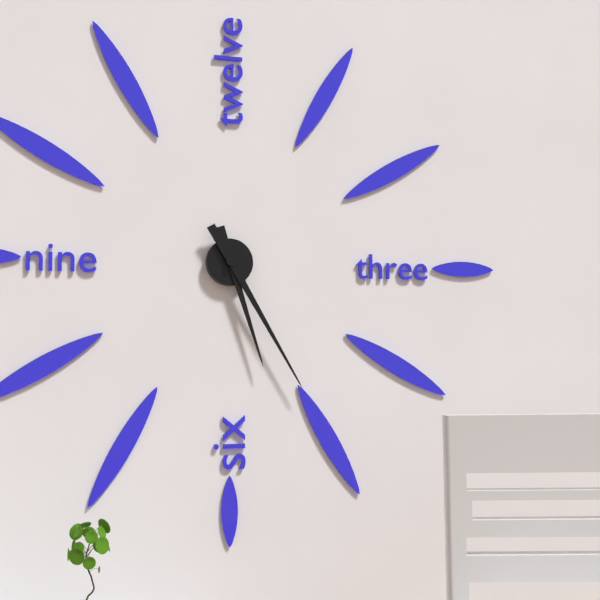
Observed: h=5 m=25
